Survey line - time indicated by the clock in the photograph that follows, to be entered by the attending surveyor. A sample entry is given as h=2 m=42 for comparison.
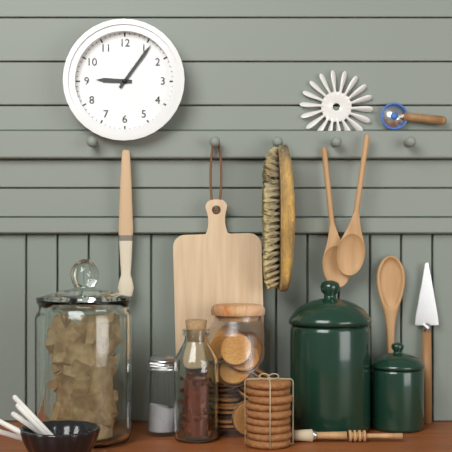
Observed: h=9 m=6
